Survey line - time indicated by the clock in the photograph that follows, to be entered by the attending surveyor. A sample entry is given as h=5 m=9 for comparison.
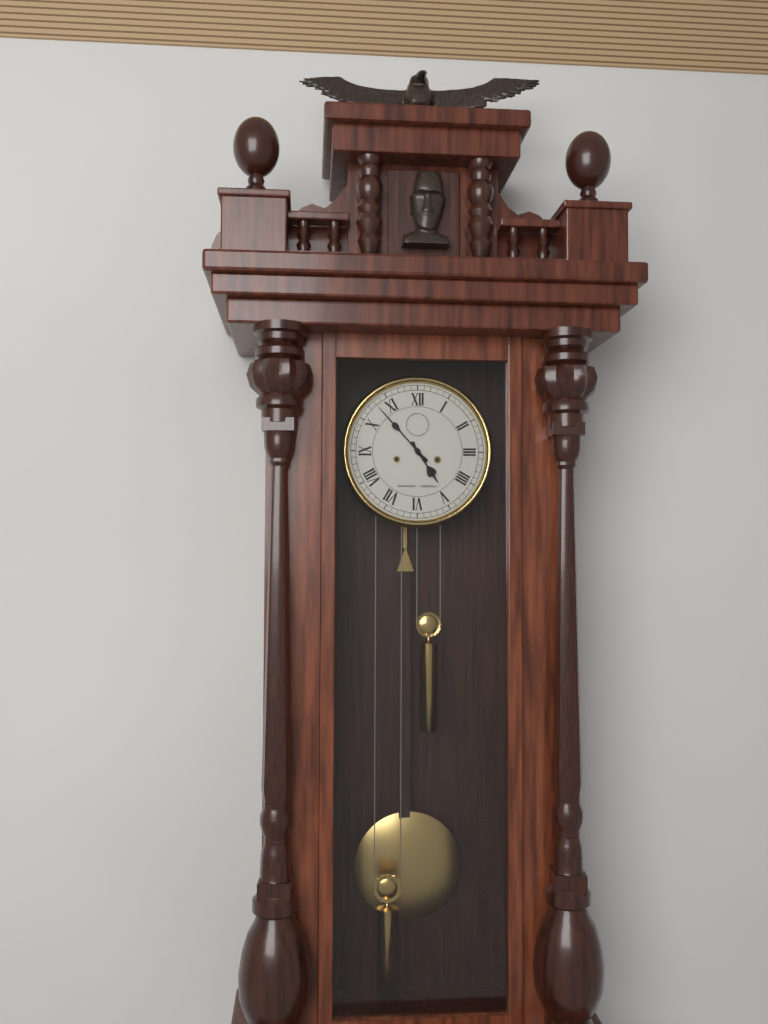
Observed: h=4 m=53
